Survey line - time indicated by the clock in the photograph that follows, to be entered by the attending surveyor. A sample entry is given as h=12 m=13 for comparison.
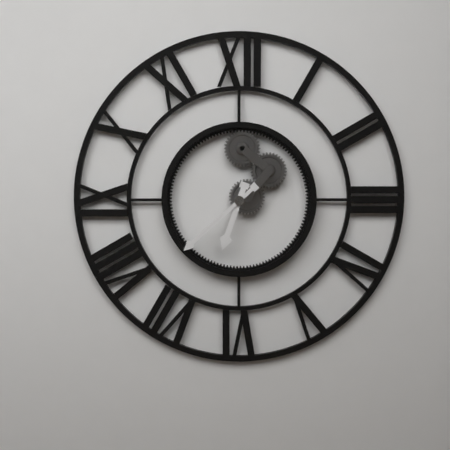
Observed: h=6 m=38
